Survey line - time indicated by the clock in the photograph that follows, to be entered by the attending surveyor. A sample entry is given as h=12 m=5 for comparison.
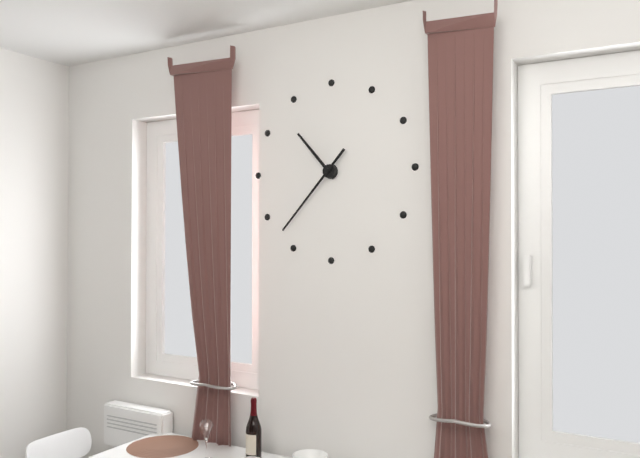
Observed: h=10 m=37
